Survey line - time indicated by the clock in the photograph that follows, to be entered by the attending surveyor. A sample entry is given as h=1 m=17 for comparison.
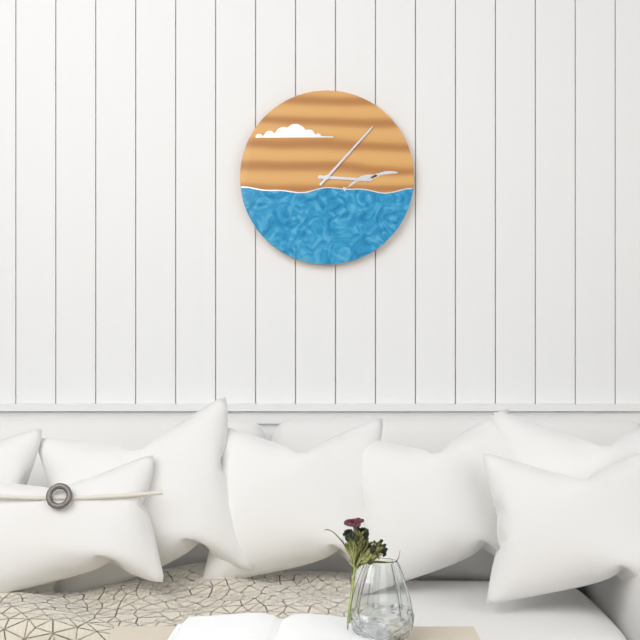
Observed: h=3 m=7
